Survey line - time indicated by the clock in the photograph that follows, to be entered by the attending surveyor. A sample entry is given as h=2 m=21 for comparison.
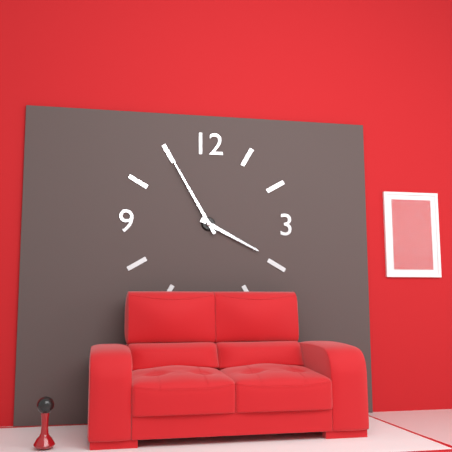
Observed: h=3 m=55
